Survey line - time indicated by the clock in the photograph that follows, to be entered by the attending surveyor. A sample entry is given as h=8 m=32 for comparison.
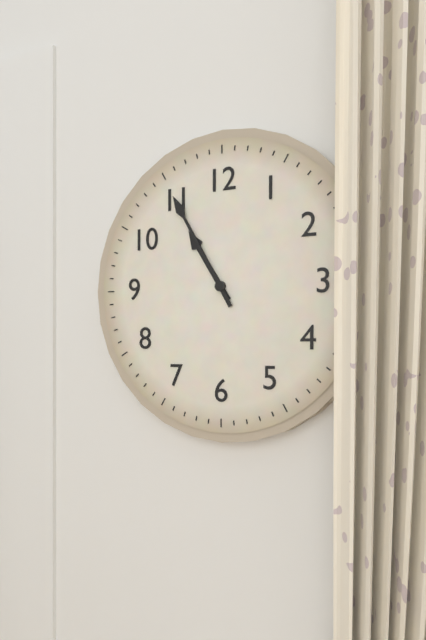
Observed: h=10 m=55
